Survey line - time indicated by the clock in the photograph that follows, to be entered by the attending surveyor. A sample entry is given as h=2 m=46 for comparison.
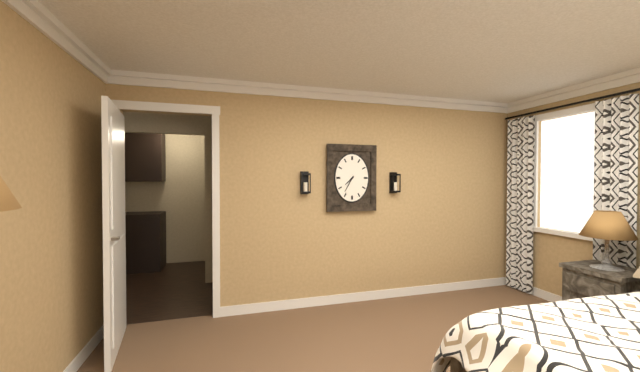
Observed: h=7 m=35
